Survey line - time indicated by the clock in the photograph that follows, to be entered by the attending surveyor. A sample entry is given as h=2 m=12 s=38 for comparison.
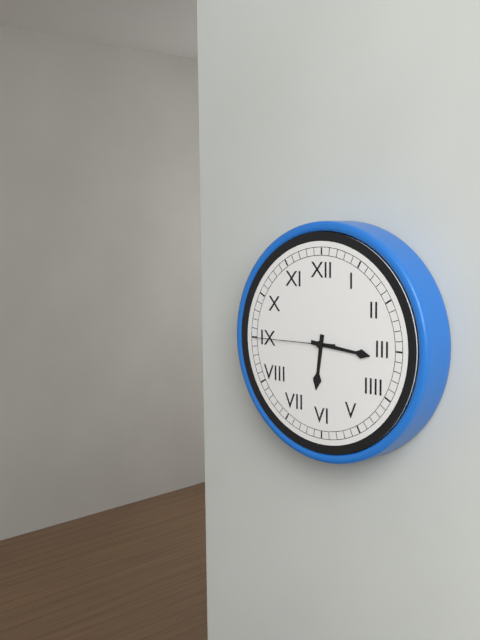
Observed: h=6 m=16 s=45
